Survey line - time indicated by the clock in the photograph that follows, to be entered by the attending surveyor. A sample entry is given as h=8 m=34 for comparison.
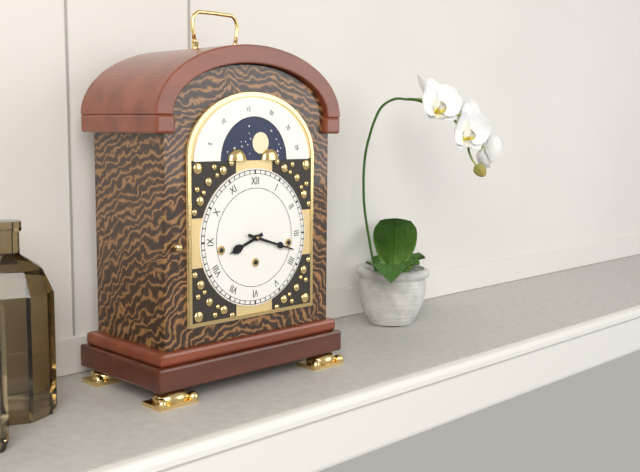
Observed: h=8 m=18
